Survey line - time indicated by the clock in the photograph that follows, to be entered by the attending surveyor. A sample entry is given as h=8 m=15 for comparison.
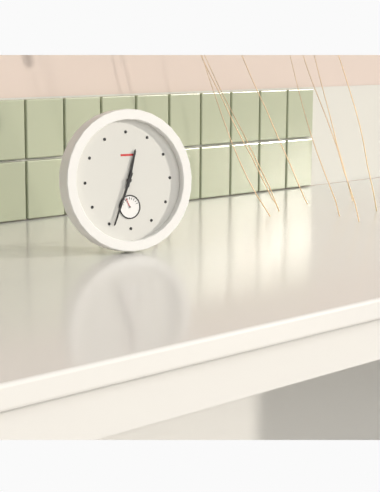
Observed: h=12 m=34
